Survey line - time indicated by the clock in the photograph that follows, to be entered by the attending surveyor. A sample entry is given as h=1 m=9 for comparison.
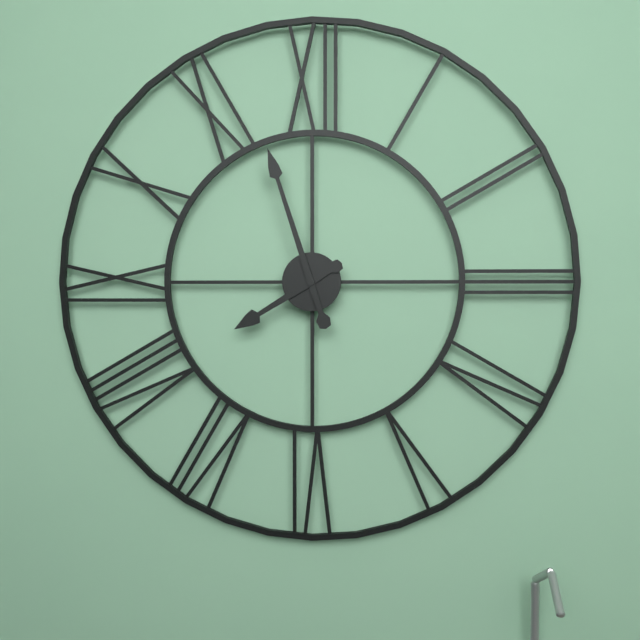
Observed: h=7 m=57
